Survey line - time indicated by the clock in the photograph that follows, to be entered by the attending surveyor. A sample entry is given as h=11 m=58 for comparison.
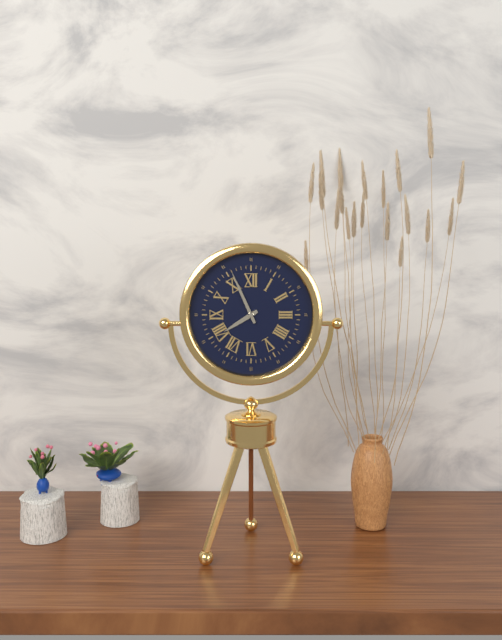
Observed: h=7 m=56
